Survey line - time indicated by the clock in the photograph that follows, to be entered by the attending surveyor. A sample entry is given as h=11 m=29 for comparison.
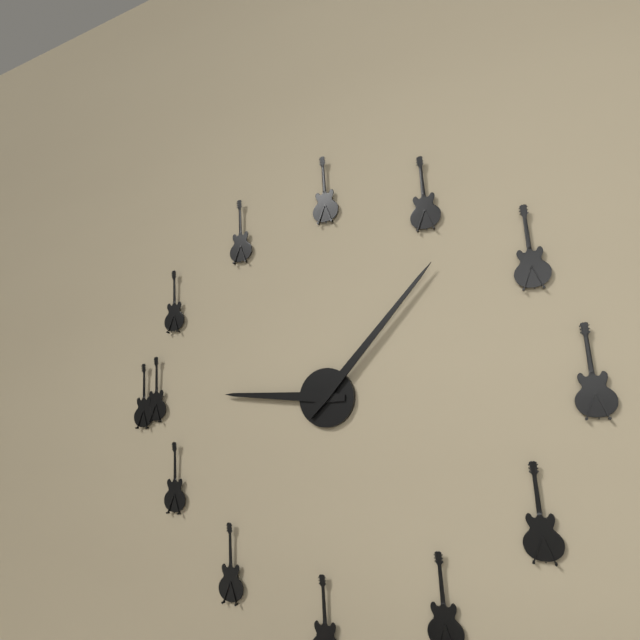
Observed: h=9 m=7
